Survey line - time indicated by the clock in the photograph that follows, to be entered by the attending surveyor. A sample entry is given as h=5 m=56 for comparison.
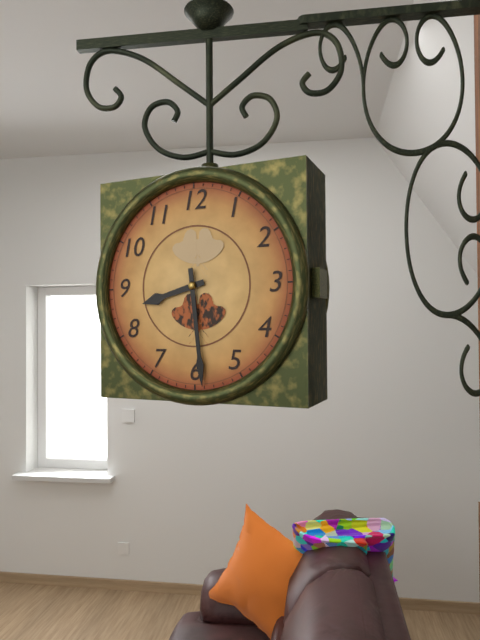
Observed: h=8 m=29
